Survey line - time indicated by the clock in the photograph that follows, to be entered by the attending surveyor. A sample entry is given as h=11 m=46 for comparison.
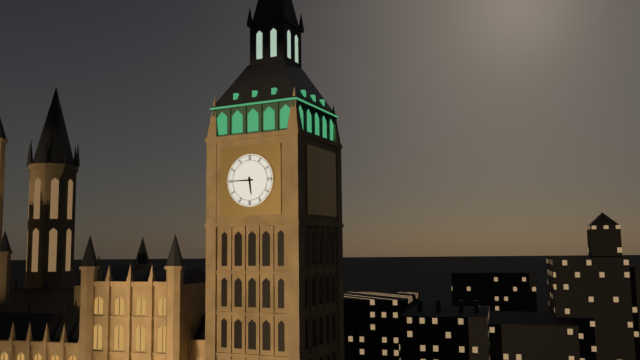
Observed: h=5 m=45
